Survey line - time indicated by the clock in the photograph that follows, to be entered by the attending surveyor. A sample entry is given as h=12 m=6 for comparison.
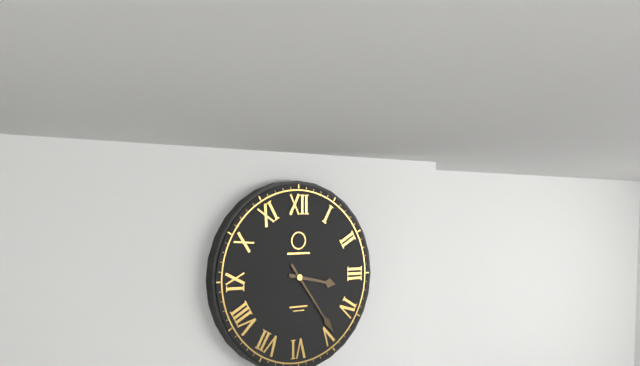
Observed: h=3 m=24
